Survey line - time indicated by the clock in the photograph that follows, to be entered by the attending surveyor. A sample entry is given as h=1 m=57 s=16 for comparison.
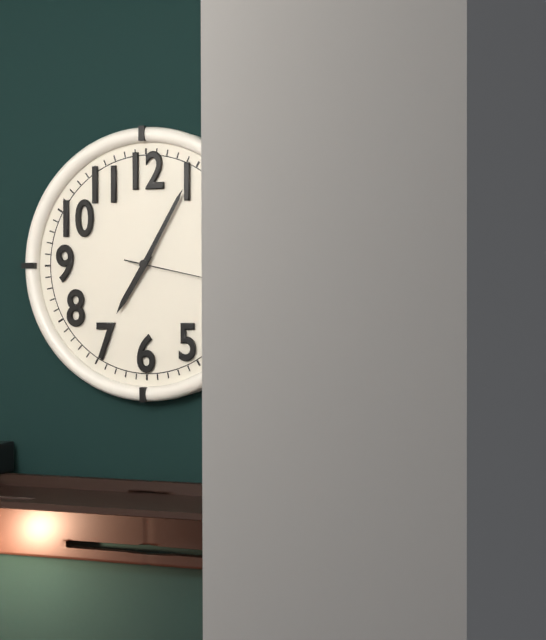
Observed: h=7 m=5 s=17
